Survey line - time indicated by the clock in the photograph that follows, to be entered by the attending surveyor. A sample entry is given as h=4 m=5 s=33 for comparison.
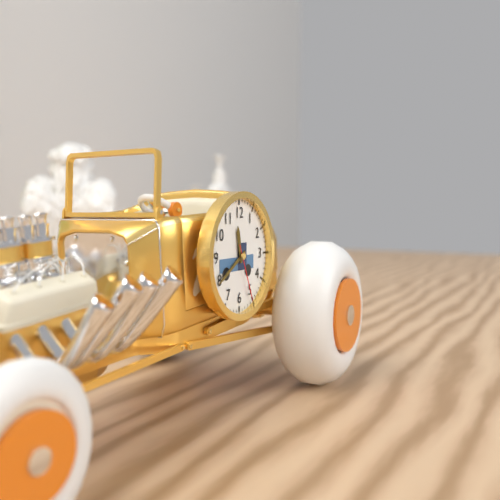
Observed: h=11 m=40 s=26
